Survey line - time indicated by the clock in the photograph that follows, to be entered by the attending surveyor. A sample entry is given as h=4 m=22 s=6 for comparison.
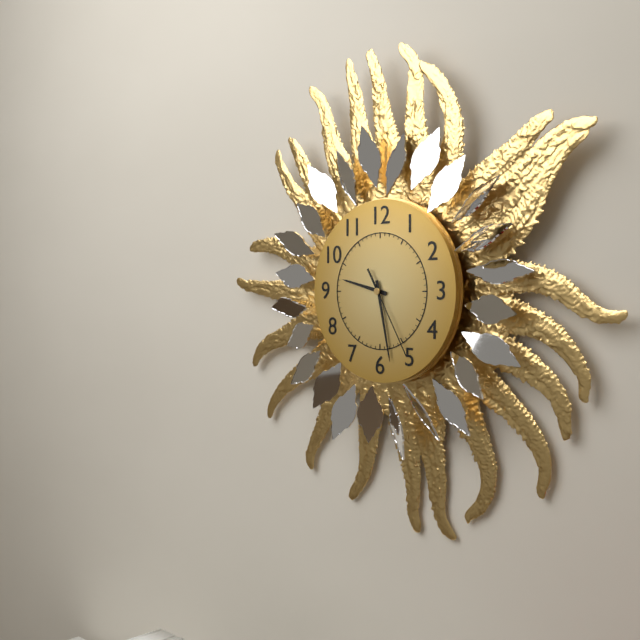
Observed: h=9 m=28 s=25
